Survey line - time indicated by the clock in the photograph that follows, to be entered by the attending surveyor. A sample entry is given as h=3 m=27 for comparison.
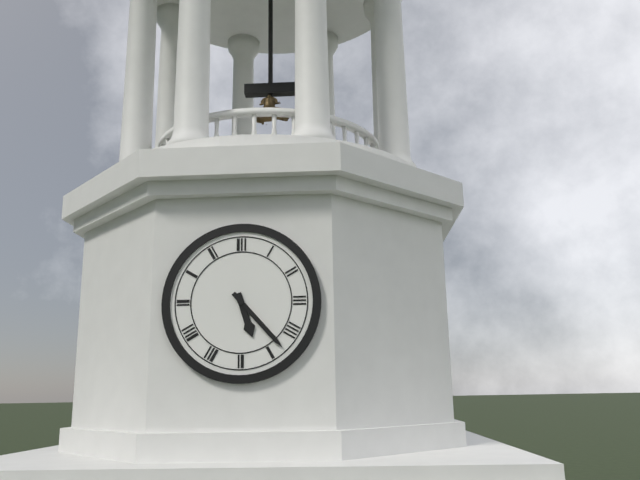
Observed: h=5 m=23
